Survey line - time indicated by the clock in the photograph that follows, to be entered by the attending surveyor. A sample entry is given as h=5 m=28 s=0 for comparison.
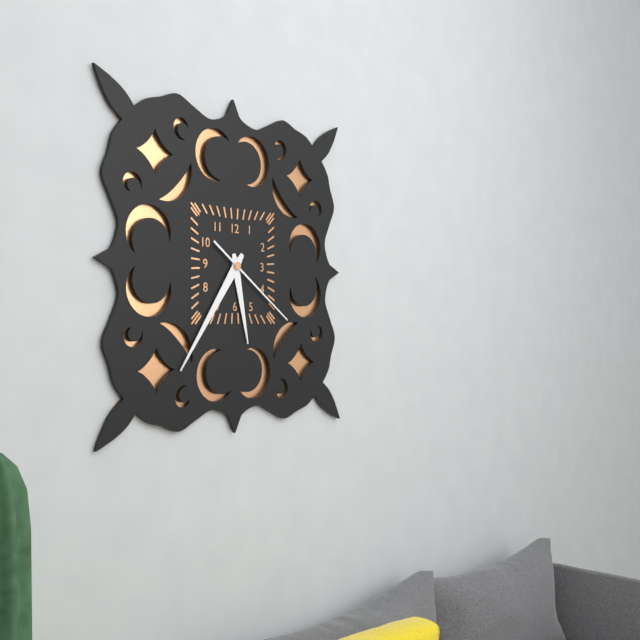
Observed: h=5 m=36 s=21
